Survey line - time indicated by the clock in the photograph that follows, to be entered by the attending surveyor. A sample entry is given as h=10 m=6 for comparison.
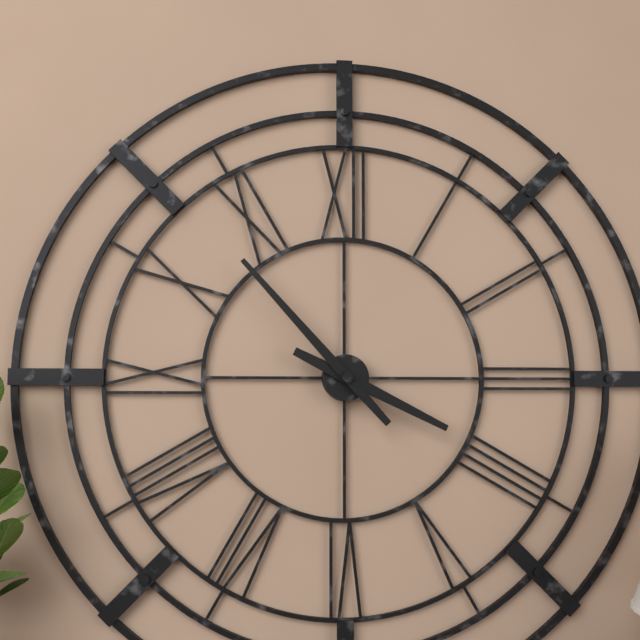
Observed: h=3 m=53
